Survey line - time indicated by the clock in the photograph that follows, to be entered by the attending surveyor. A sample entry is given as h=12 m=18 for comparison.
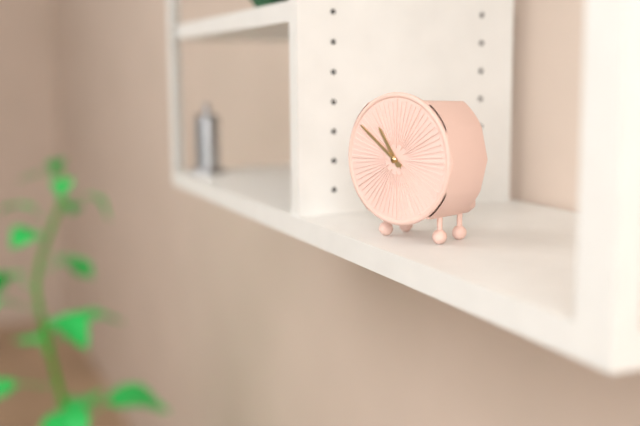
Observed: h=10 m=51
